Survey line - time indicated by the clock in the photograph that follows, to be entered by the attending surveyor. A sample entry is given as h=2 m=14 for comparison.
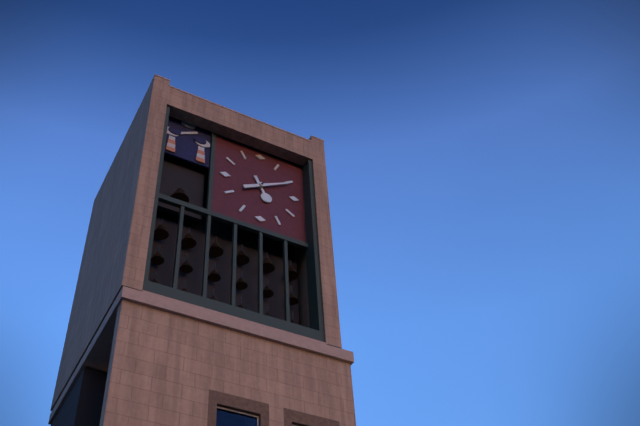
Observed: h=5 m=10
